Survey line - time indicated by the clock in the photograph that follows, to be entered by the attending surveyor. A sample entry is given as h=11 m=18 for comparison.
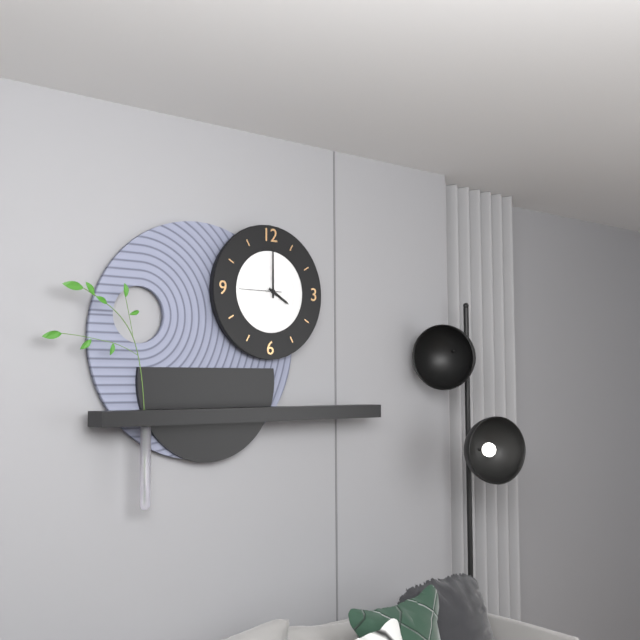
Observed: h=4 m=0
